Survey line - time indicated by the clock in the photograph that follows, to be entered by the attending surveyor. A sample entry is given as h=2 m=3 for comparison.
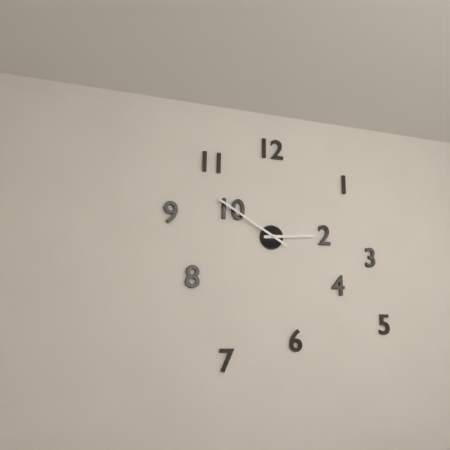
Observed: h=2 m=50
